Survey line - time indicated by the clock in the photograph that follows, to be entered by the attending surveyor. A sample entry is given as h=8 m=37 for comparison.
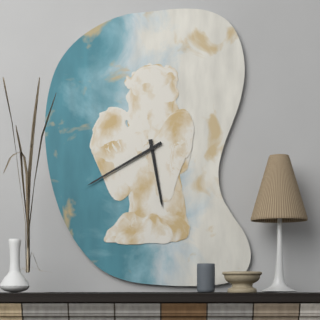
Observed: h=5 m=40
